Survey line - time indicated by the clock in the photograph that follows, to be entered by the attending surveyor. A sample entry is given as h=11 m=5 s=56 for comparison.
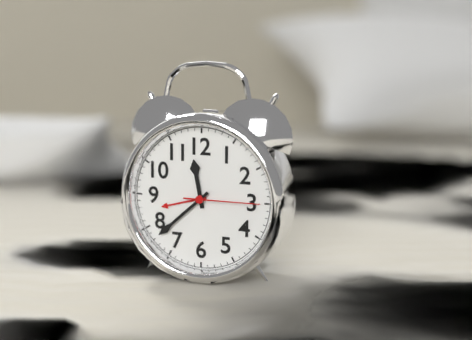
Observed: h=11 m=38 s=15
